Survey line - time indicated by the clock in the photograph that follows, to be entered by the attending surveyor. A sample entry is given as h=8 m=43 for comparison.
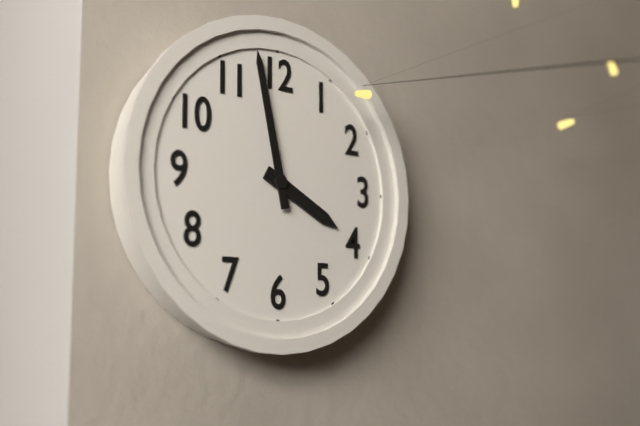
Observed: h=3 m=58
